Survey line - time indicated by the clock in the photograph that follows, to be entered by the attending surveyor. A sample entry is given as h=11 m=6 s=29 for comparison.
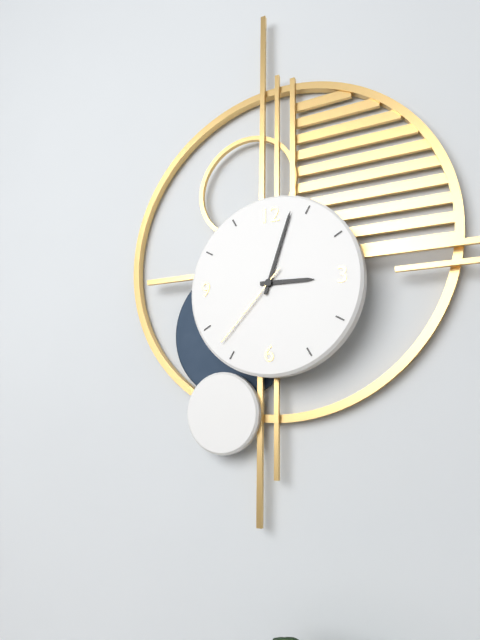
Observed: h=3 m=3 s=37
